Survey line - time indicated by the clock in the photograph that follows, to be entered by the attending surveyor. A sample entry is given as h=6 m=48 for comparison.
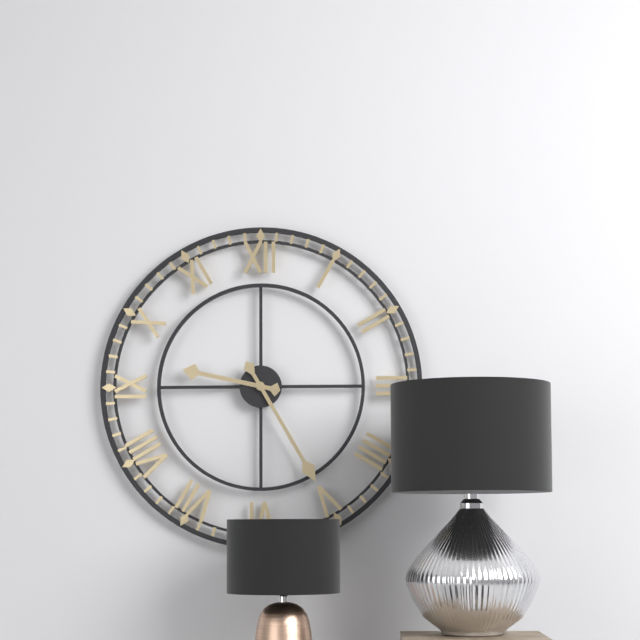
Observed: h=9 m=25
